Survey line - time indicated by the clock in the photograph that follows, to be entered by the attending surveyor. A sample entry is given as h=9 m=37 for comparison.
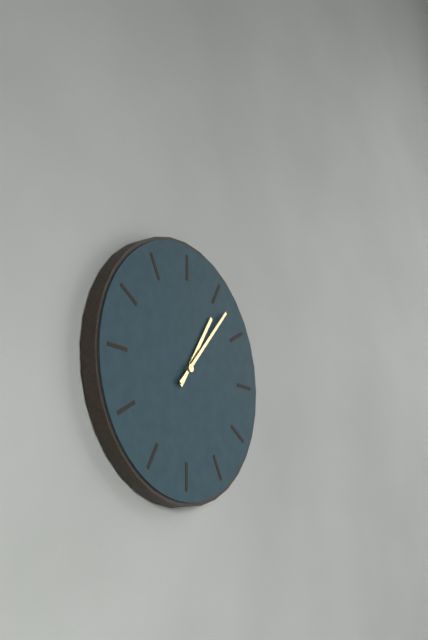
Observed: h=1 m=7
